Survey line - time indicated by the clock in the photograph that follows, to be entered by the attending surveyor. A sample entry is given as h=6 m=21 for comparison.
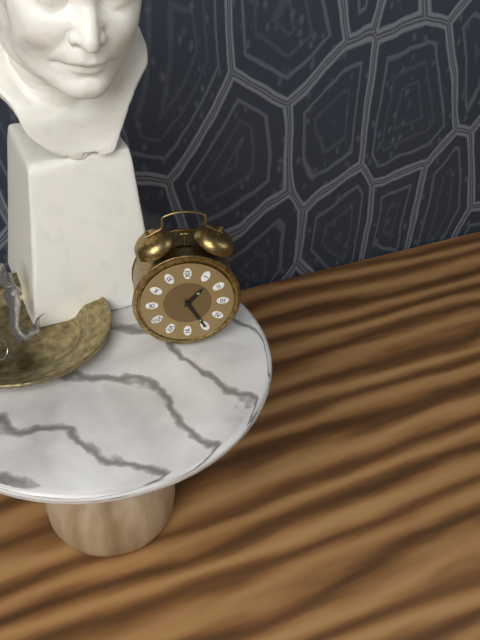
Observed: h=1 m=25
